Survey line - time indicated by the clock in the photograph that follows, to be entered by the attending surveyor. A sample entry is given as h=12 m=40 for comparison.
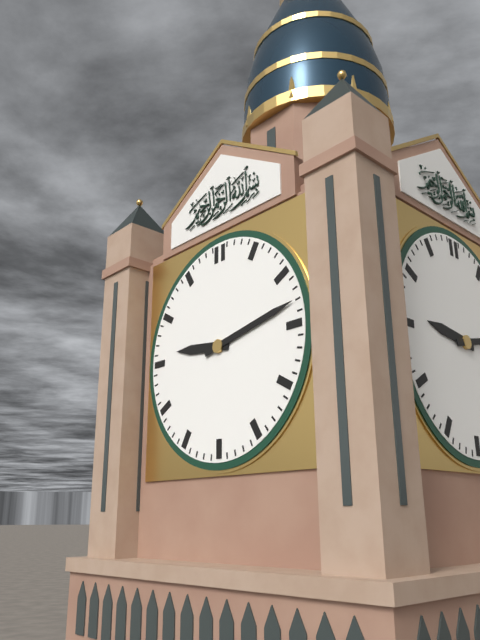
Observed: h=9 m=13
